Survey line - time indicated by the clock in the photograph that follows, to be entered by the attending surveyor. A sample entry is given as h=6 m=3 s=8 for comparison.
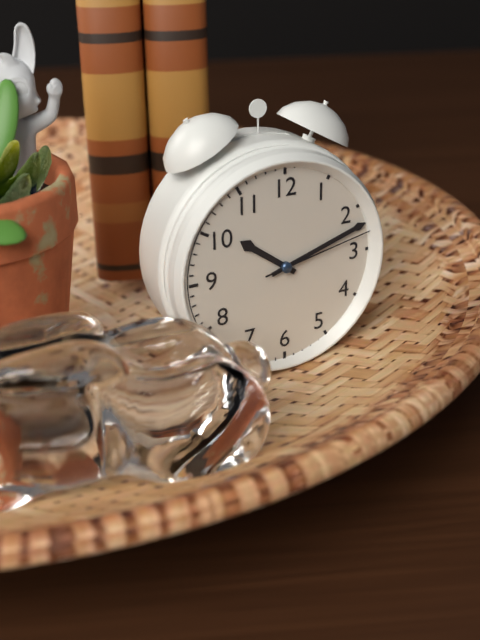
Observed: h=10 m=12 s=13
